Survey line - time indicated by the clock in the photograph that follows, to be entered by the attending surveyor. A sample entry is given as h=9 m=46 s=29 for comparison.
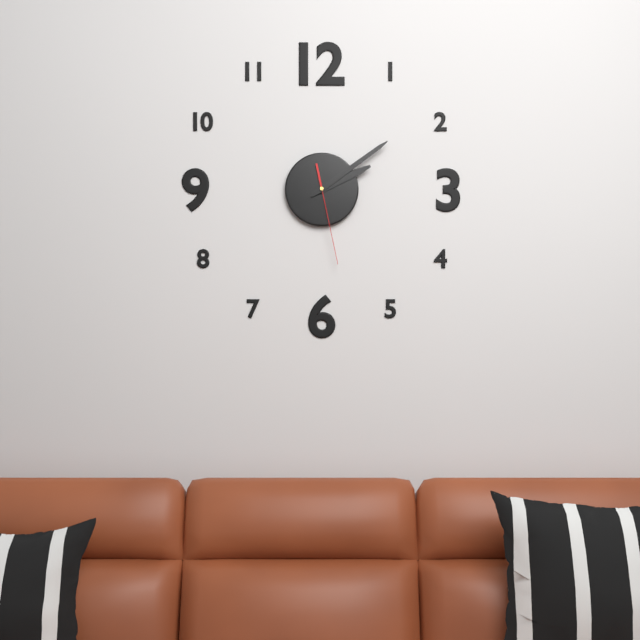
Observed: h=2 m=9 s=28
